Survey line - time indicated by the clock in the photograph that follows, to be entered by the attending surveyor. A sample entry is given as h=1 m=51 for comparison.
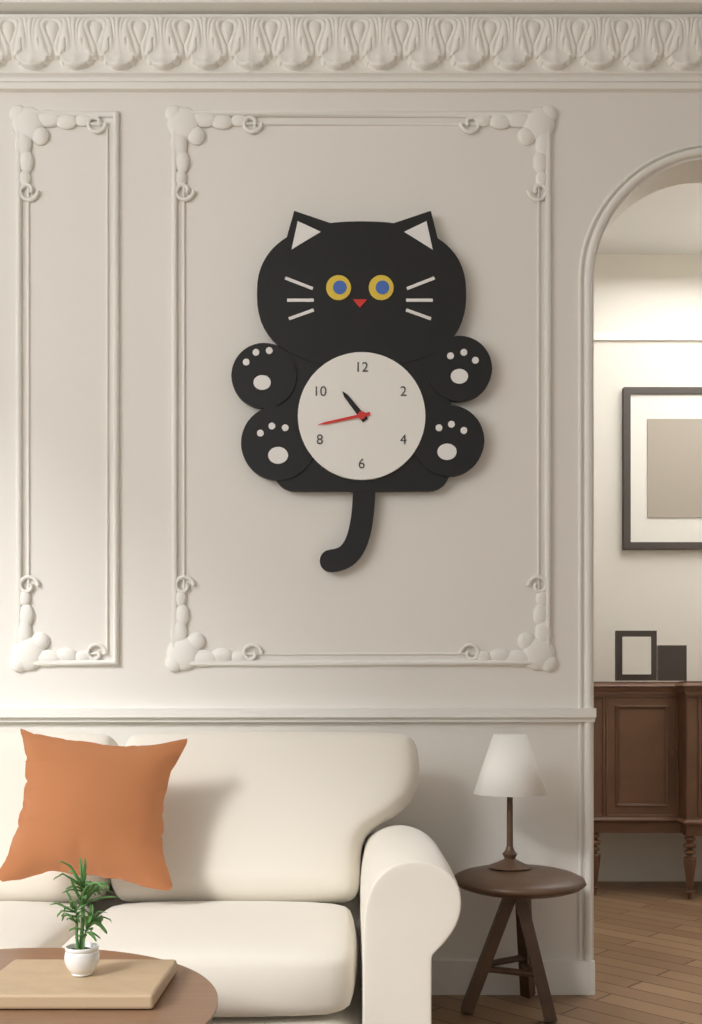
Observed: h=10 m=43
